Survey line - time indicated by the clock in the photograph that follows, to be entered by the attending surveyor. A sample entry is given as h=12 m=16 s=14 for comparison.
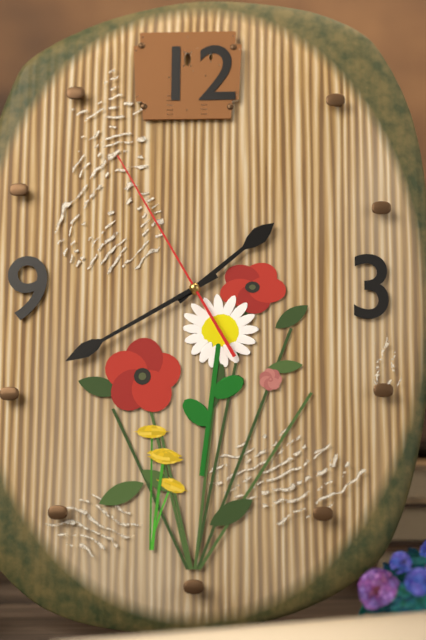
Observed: h=1 m=40 s=55
